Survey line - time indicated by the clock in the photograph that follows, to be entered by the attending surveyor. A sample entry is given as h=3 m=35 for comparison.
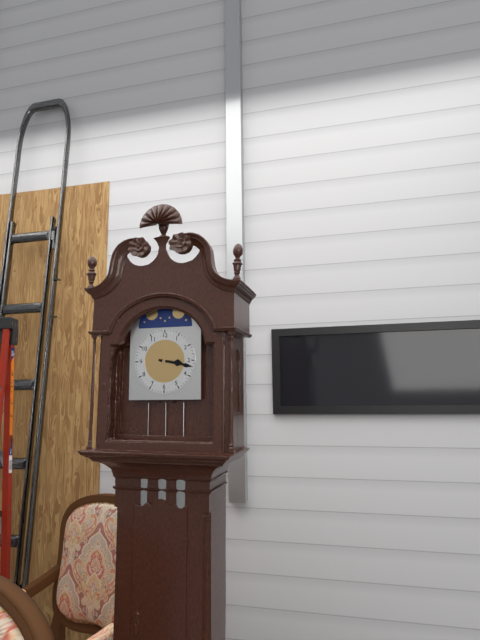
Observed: h=3 m=17
